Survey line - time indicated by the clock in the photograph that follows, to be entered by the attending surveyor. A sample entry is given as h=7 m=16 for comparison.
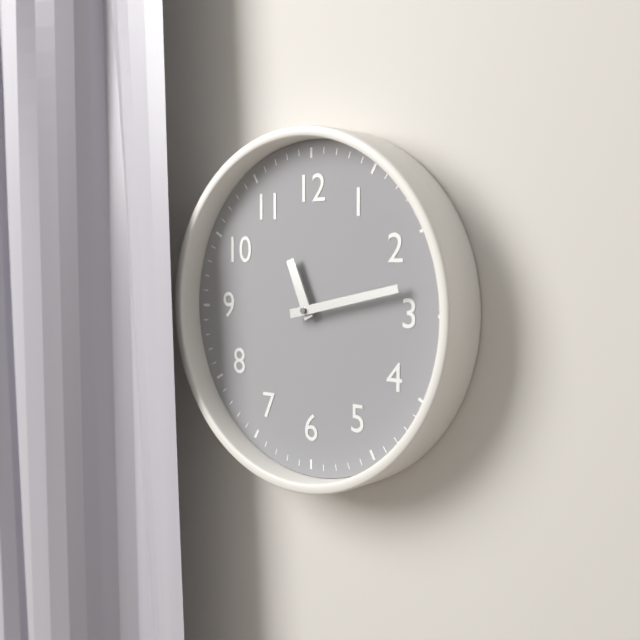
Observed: h=11 m=13
